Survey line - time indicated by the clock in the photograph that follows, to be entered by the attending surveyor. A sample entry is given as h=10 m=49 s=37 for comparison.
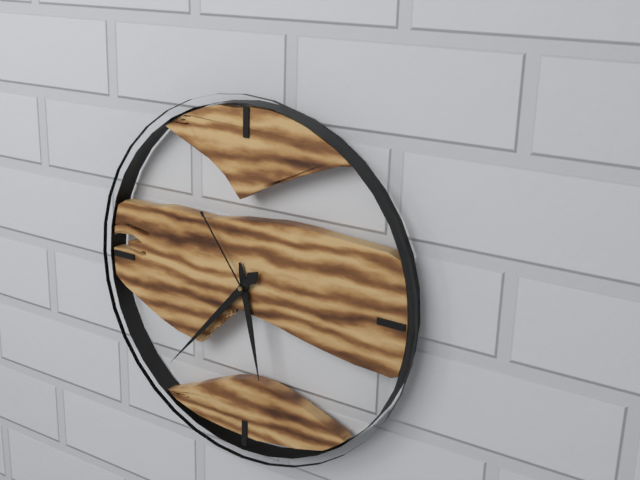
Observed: h=5 m=37 s=54
